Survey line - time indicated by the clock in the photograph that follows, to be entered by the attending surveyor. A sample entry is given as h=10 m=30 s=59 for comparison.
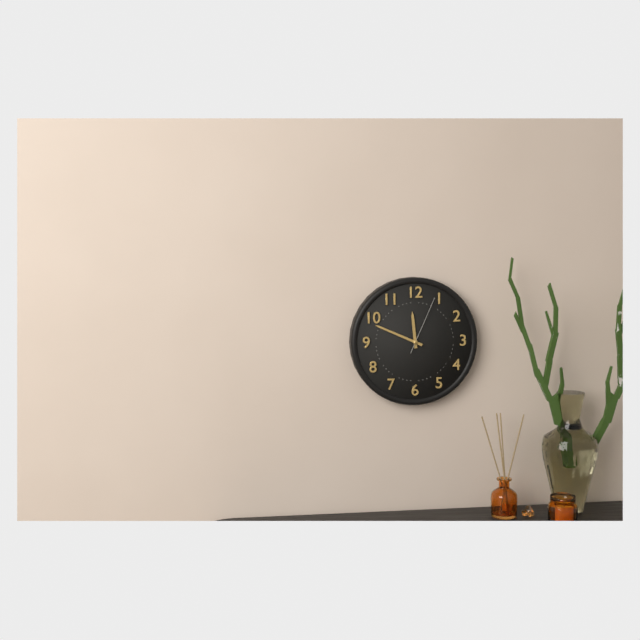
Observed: h=11 m=49 s=4
